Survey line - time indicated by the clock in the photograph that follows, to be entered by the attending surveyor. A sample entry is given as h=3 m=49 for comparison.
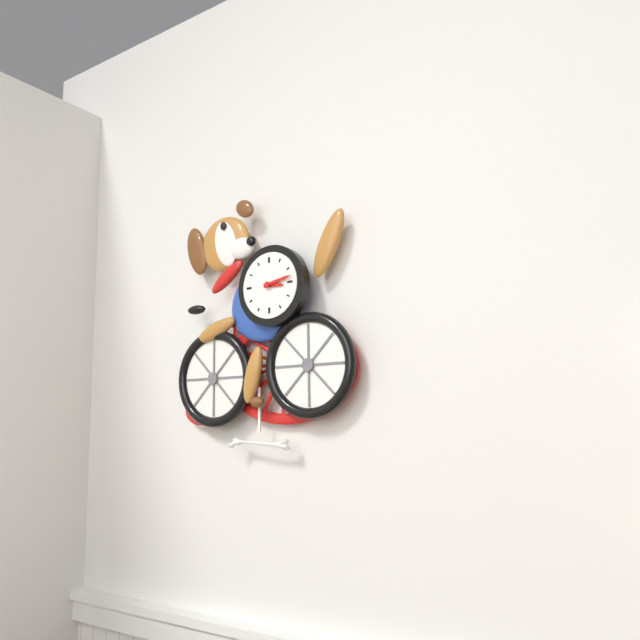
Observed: h=3 m=13
